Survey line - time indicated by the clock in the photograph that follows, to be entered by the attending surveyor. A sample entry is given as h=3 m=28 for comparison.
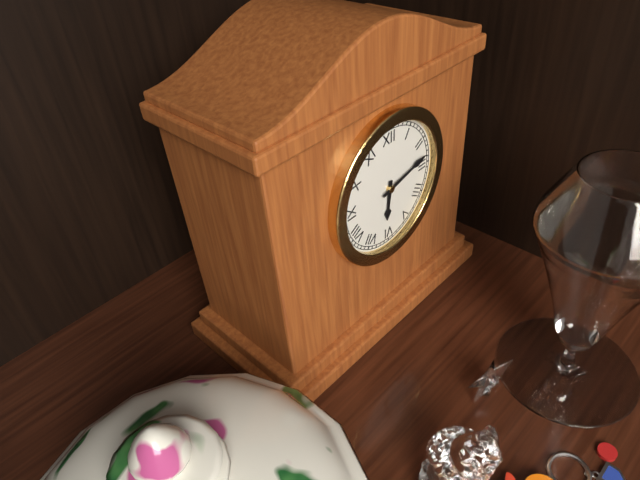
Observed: h=6 m=13
